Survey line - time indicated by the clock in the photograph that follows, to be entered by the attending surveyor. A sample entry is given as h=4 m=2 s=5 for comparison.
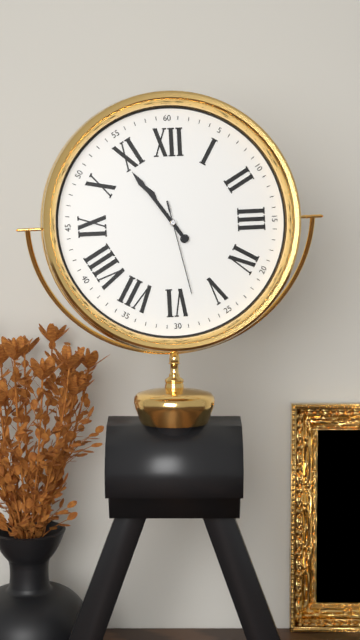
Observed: h=10 m=54 s=28
